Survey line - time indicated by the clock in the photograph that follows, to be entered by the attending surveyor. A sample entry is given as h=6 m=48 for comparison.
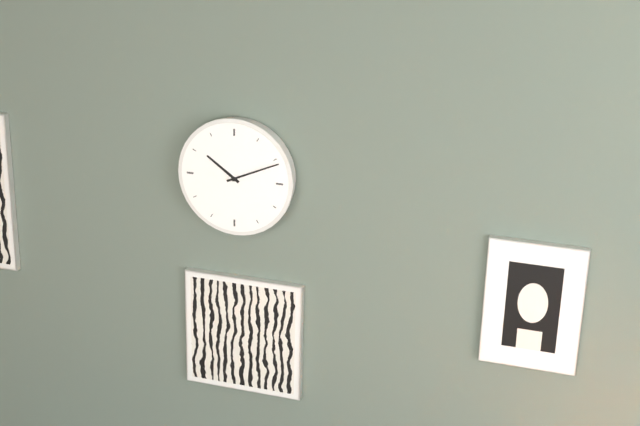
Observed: h=10 m=11
